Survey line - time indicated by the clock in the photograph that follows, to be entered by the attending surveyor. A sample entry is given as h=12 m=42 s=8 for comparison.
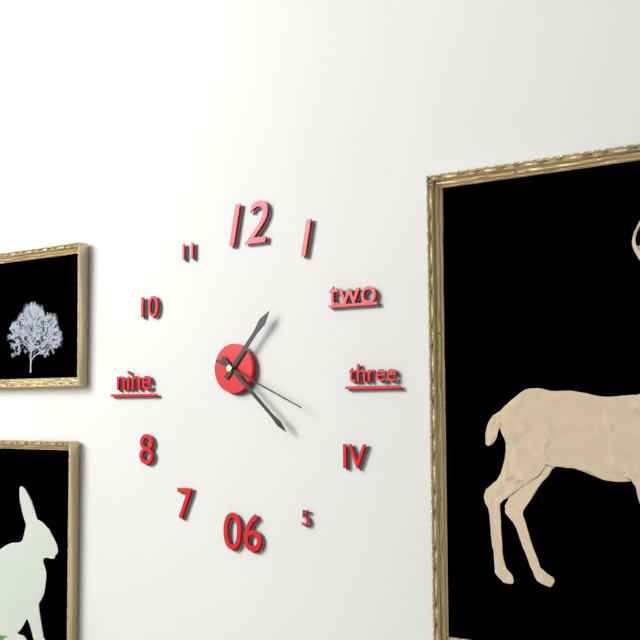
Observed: h=1 m=22 s=19
